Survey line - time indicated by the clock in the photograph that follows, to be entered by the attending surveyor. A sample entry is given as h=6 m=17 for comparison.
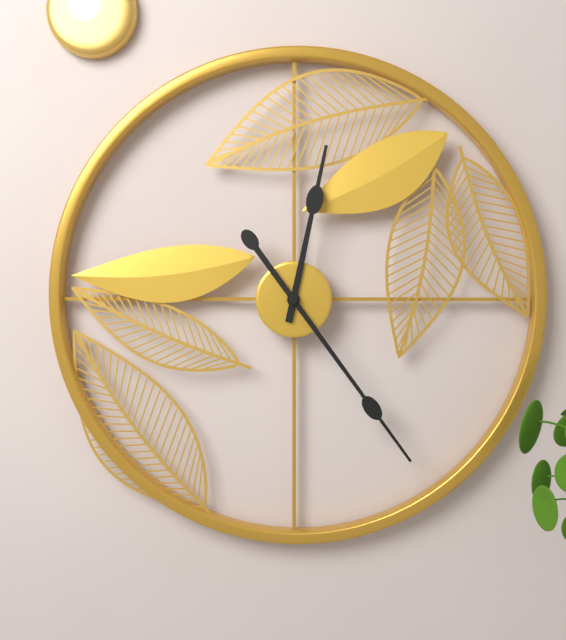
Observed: h=12 m=24
